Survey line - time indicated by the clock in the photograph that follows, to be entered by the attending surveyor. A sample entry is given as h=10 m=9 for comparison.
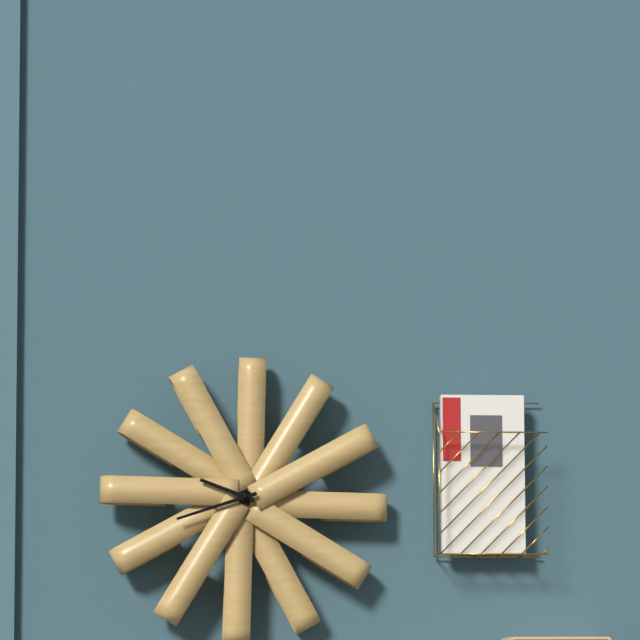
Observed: h=9 m=42
